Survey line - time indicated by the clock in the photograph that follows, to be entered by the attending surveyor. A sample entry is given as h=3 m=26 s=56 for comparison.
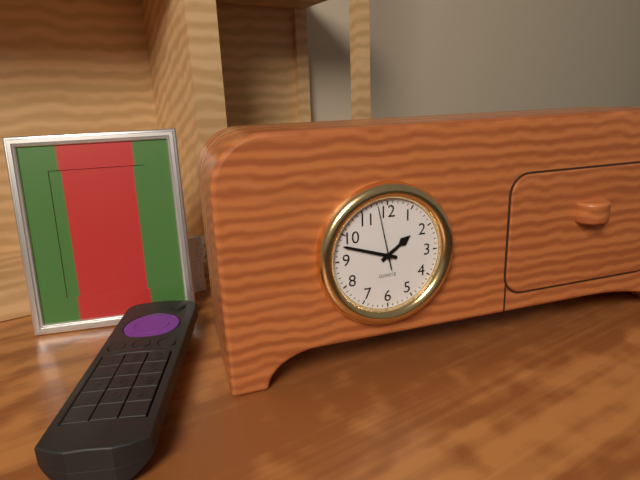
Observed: h=1 m=48 s=58
